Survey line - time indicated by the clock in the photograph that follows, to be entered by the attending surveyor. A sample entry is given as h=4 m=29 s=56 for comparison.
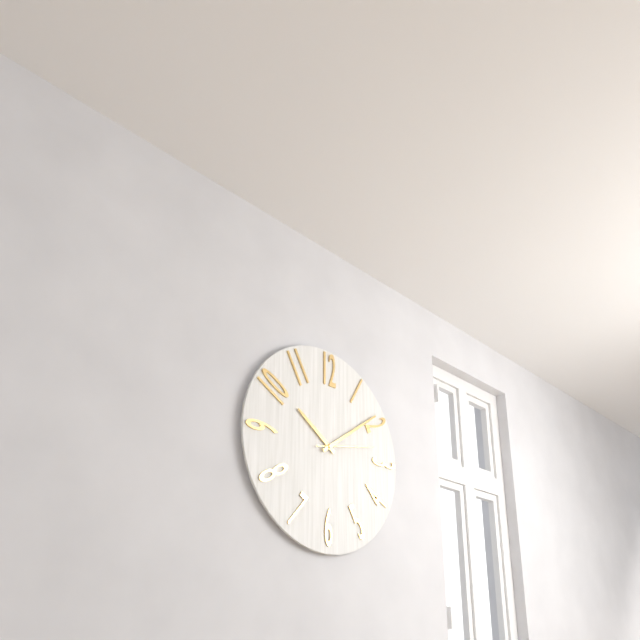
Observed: h=10 m=9 s=13
